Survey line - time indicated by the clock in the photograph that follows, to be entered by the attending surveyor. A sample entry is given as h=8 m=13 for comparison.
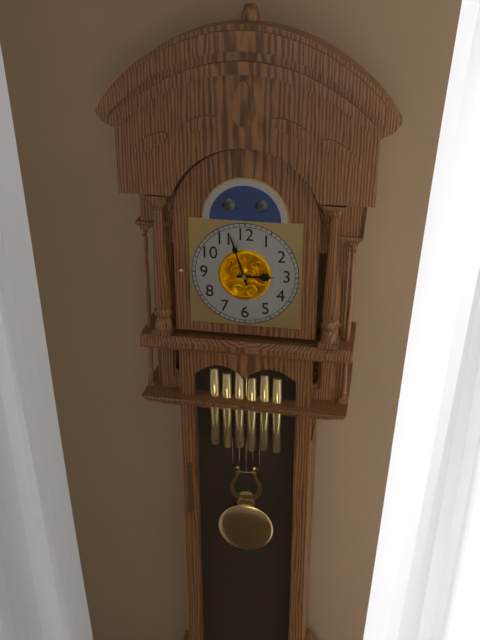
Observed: h=2 m=57
